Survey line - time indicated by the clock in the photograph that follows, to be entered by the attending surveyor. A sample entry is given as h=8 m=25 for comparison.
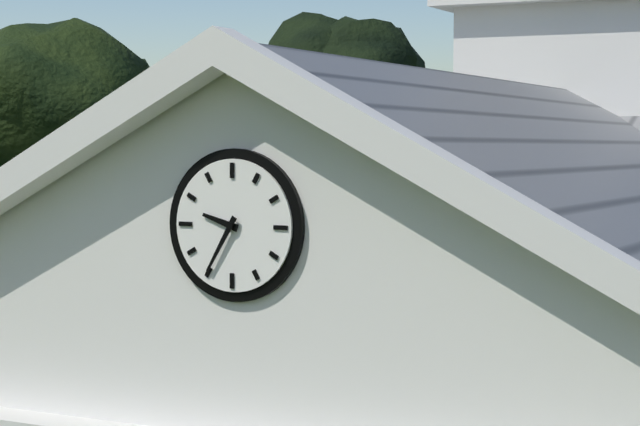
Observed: h=9 m=35
